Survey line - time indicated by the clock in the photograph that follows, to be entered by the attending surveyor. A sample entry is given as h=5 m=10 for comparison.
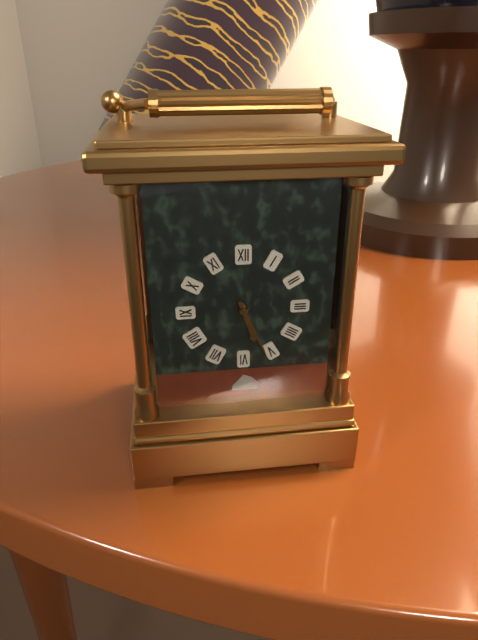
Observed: h=5 m=26
